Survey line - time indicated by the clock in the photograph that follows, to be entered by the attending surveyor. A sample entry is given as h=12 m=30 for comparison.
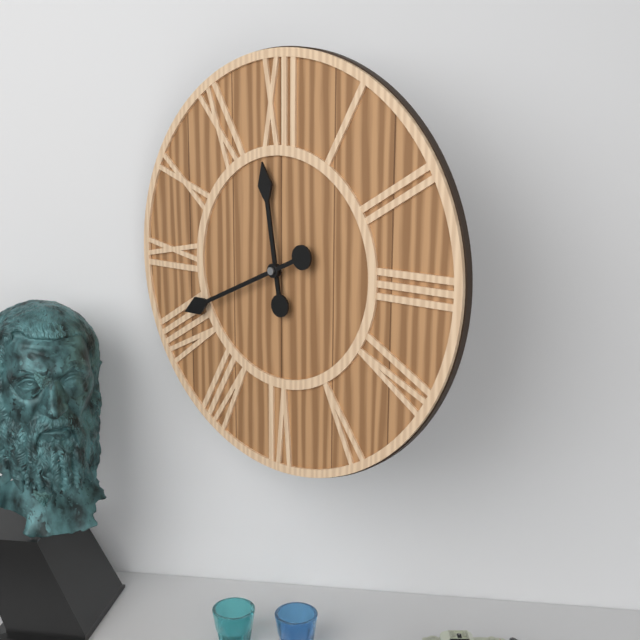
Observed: h=11 m=41
